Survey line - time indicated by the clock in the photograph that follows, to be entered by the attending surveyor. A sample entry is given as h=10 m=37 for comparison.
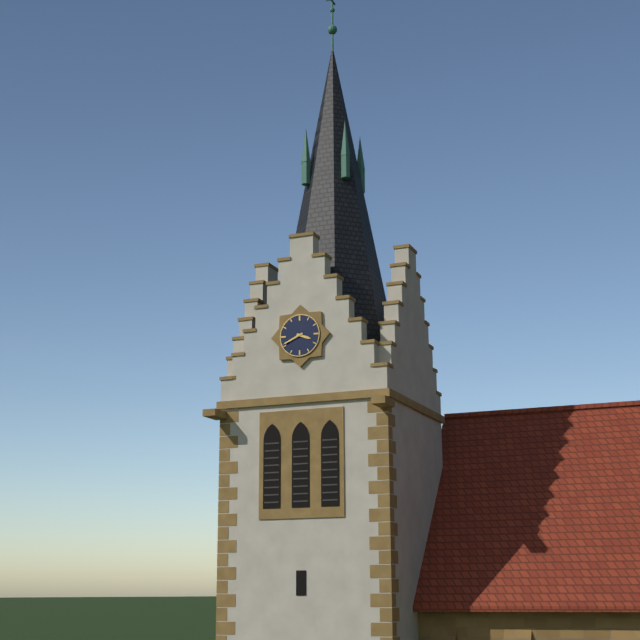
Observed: h=3 m=41
